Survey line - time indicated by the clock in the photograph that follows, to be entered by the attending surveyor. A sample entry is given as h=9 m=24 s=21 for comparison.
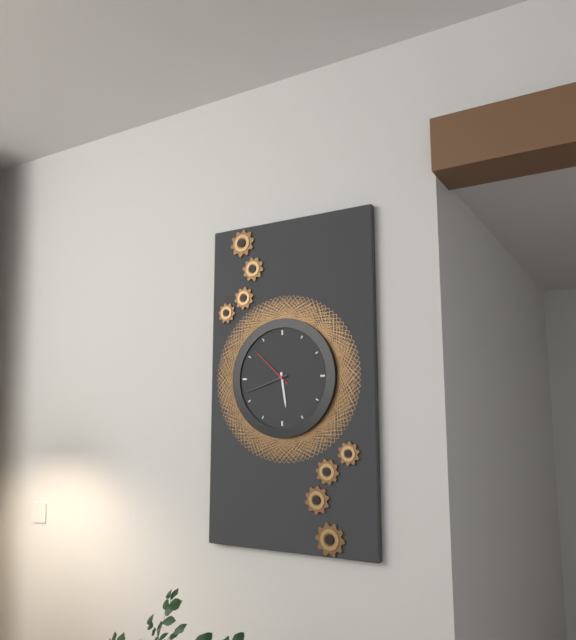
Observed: h=5 m=42 s=52
